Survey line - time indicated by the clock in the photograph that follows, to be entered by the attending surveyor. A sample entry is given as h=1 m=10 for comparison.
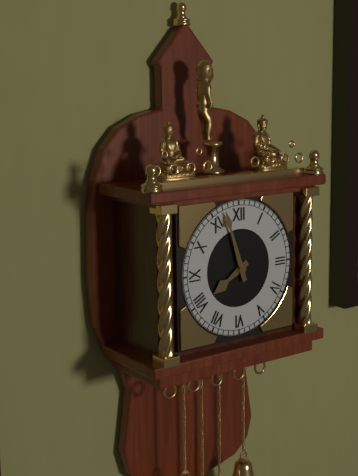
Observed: h=7 m=57
